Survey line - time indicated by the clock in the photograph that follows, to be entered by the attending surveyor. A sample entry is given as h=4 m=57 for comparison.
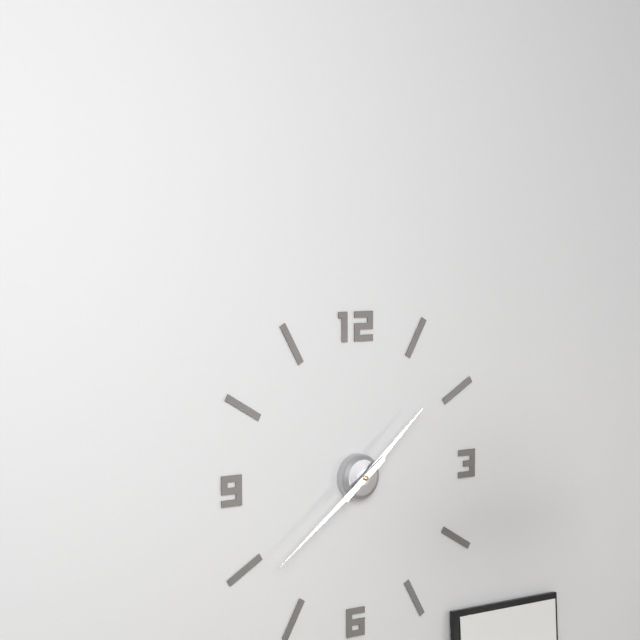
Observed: h=1 m=39
